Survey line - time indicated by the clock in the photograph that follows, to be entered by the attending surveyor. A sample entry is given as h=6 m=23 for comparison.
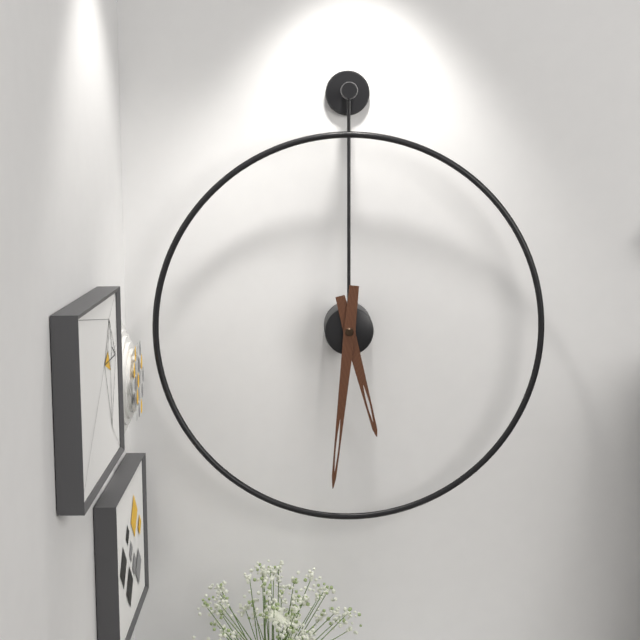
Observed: h=5 m=31
